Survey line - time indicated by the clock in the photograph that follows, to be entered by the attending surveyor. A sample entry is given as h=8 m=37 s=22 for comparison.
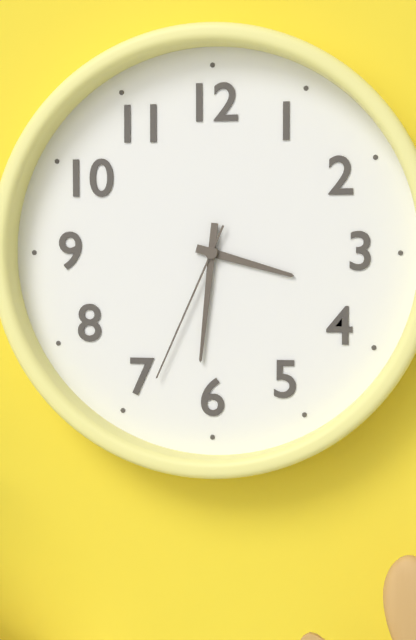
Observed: h=3 m=31 s=34
